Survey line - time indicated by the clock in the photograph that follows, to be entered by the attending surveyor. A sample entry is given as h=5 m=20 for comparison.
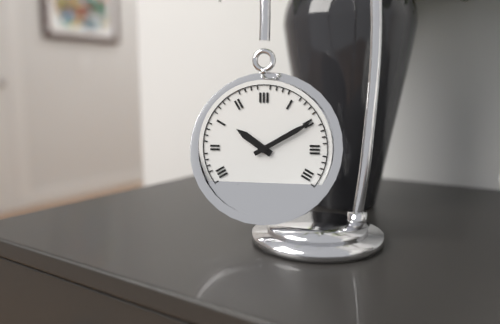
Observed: h=10 m=10
